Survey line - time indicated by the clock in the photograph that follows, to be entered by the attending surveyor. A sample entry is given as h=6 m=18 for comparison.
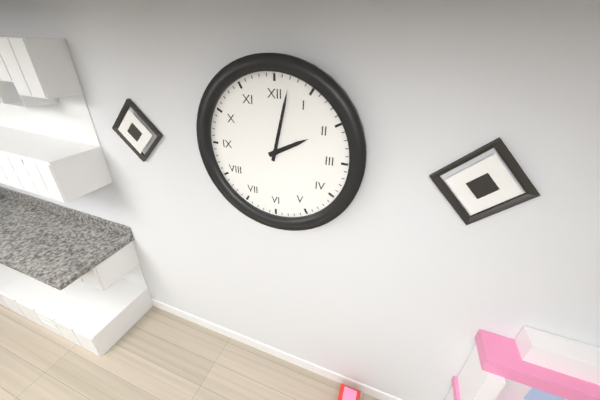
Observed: h=2 m=2
